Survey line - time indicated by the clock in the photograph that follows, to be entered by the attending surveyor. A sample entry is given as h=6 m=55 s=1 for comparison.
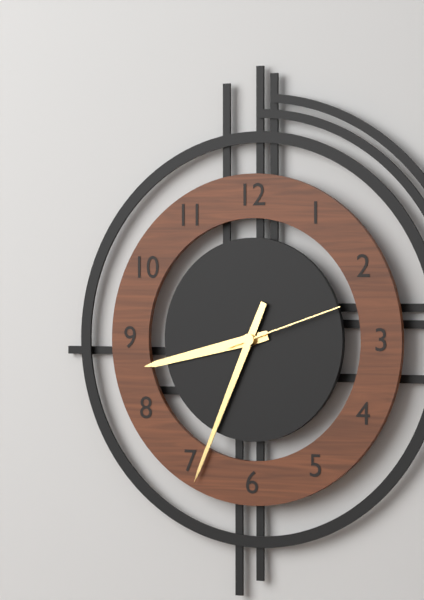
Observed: h=8 m=34 s=12
